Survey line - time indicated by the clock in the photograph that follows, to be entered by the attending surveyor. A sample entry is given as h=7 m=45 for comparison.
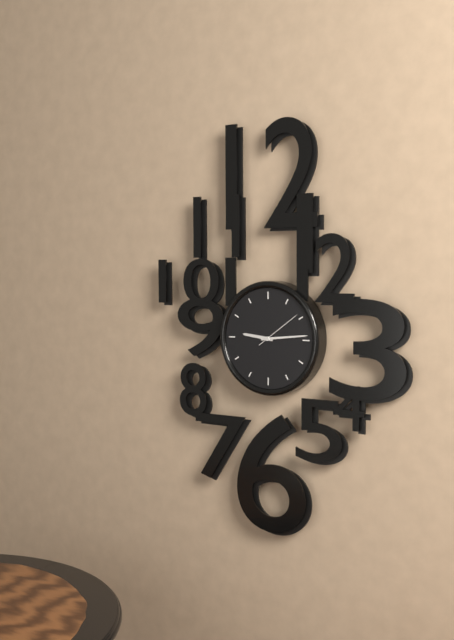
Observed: h=9 m=14
